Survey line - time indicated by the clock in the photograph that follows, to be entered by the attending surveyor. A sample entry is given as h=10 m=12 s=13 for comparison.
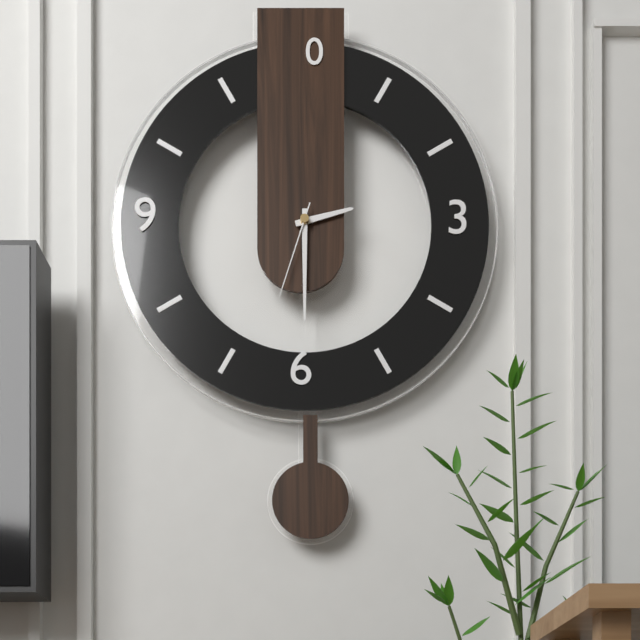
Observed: h=2 m=30 s=33
